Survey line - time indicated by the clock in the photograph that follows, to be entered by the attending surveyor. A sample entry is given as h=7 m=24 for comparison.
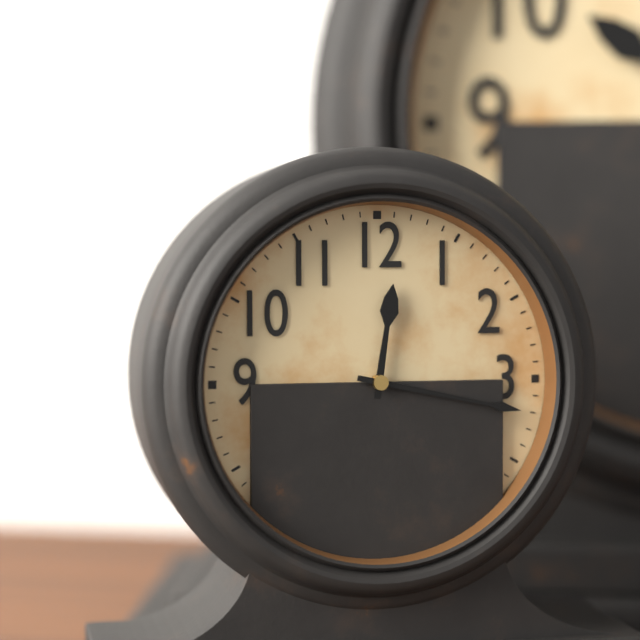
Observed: h=12 m=17
